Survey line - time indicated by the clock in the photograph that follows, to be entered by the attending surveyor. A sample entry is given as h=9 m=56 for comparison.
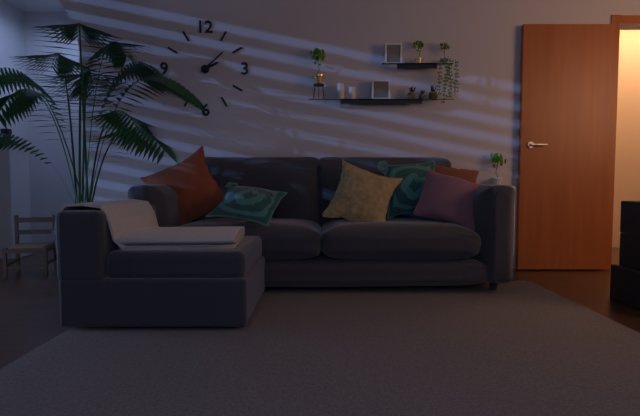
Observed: h=2 m=8
